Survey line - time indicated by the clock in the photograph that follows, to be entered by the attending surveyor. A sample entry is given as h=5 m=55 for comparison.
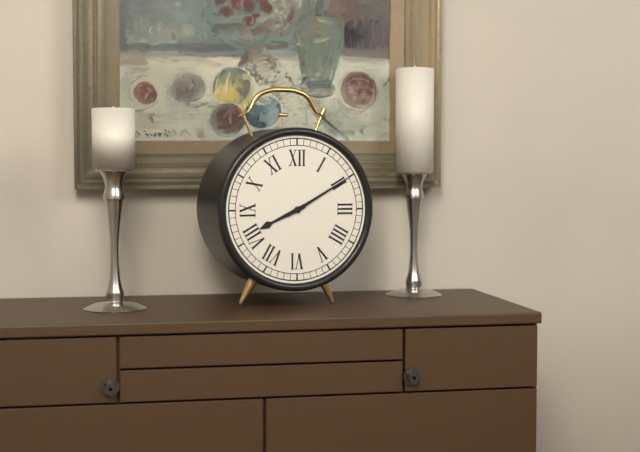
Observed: h=8 m=10
